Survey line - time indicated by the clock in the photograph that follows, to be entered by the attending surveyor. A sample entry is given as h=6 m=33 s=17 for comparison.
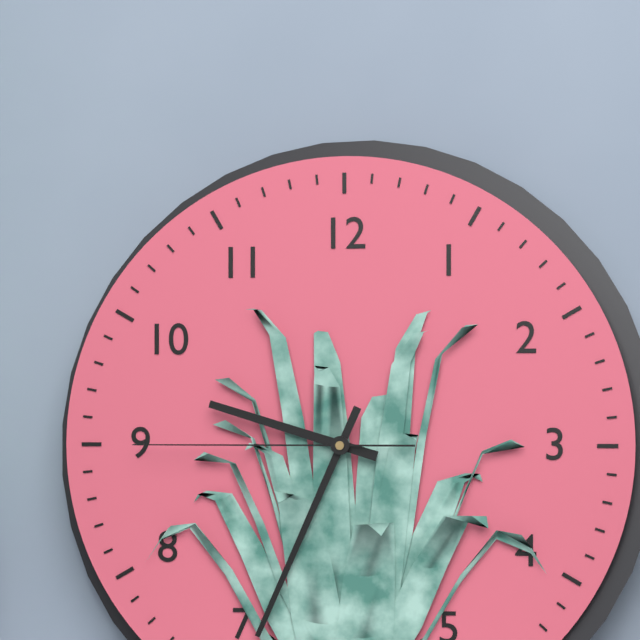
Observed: h=9 m=34 s=45
